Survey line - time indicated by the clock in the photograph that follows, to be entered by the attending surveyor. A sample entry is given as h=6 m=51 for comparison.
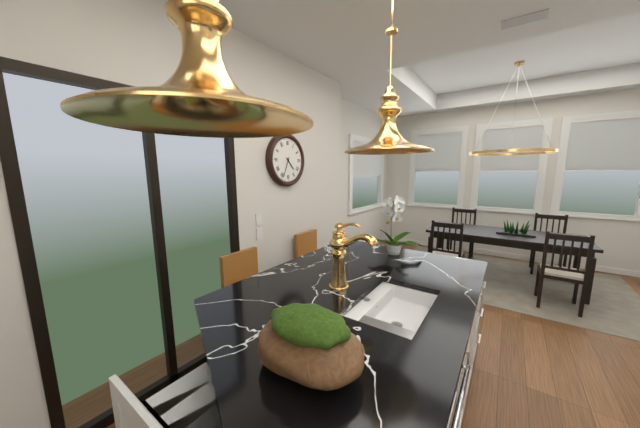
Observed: h=4 m=34
